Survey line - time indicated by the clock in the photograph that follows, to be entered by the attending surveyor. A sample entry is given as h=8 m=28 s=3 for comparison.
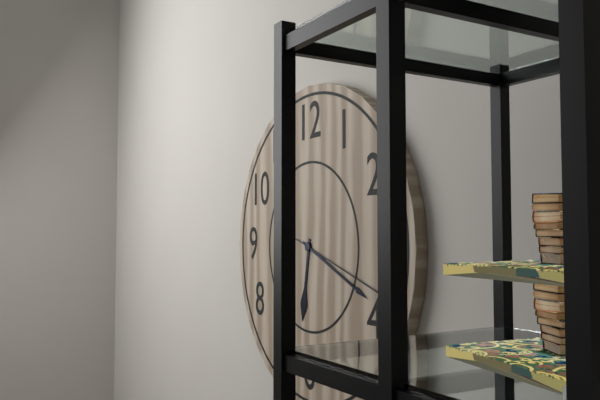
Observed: h=6 m=19 s=18
